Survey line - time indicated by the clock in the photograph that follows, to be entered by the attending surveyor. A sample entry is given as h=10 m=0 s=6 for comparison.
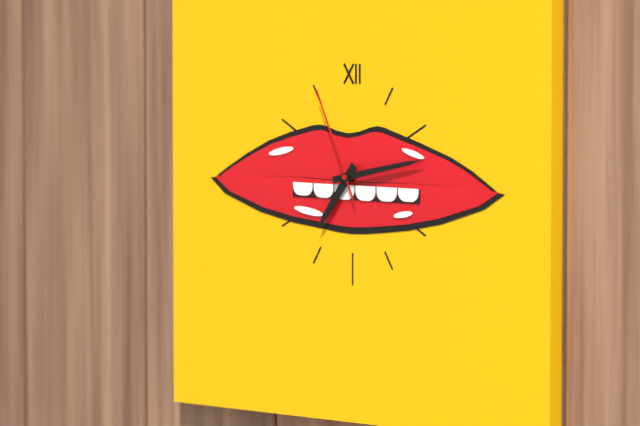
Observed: h=7 m=13 s=56
